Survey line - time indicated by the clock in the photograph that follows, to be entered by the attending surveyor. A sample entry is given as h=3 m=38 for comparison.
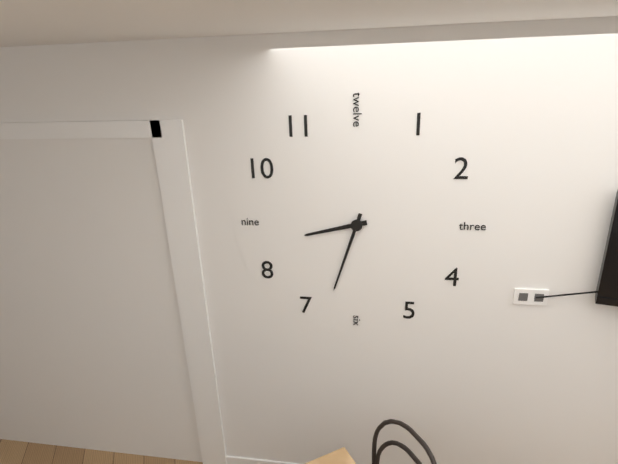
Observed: h=8 m=33
